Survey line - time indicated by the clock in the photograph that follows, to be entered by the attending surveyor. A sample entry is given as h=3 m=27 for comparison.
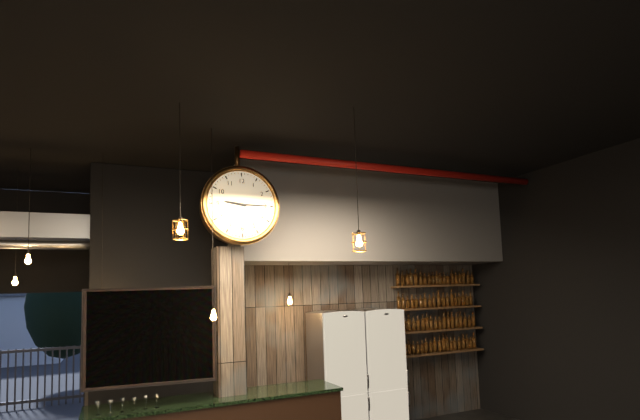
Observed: h=9 m=15
